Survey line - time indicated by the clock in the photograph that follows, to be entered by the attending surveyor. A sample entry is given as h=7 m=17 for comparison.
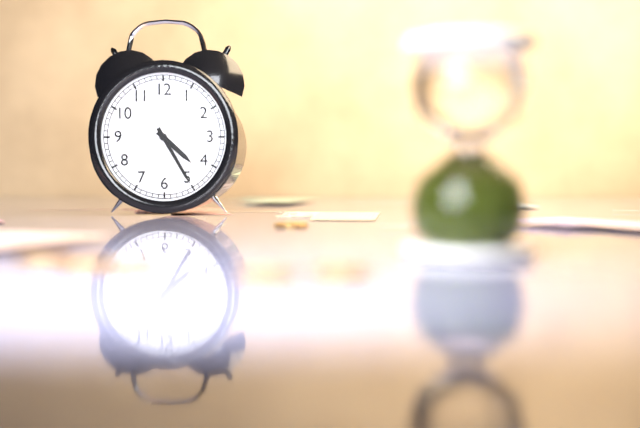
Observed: h=4 m=25
